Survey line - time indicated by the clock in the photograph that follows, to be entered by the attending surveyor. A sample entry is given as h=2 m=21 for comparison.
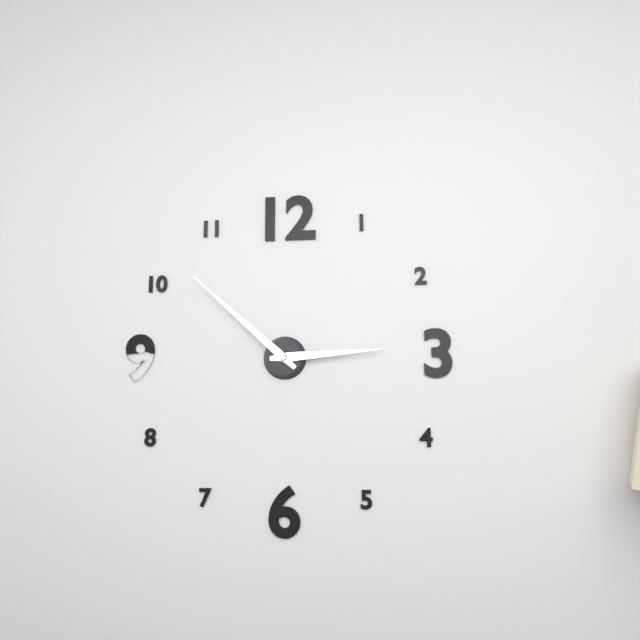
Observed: h=2 m=52
